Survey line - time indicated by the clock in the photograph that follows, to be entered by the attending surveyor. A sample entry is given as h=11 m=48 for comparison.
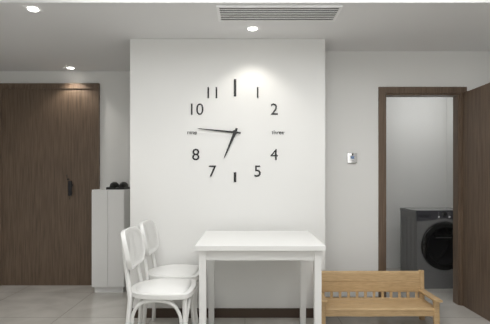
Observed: h=6 m=46
